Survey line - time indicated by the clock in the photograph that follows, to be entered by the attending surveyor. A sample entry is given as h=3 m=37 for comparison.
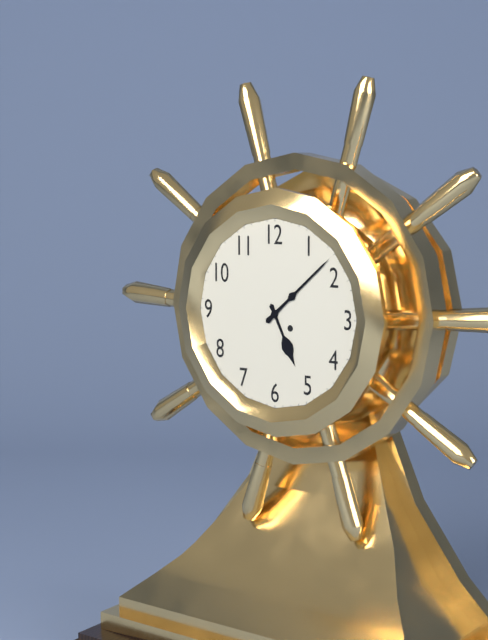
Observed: h=5 m=8
